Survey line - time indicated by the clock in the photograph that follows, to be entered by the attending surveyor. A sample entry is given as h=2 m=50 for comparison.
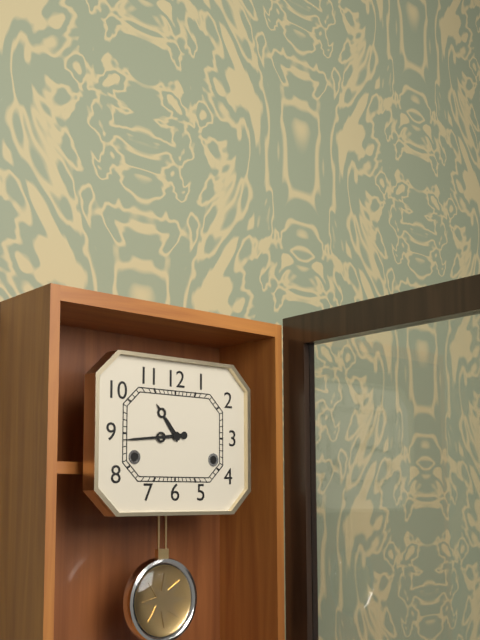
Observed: h=10 m=44
